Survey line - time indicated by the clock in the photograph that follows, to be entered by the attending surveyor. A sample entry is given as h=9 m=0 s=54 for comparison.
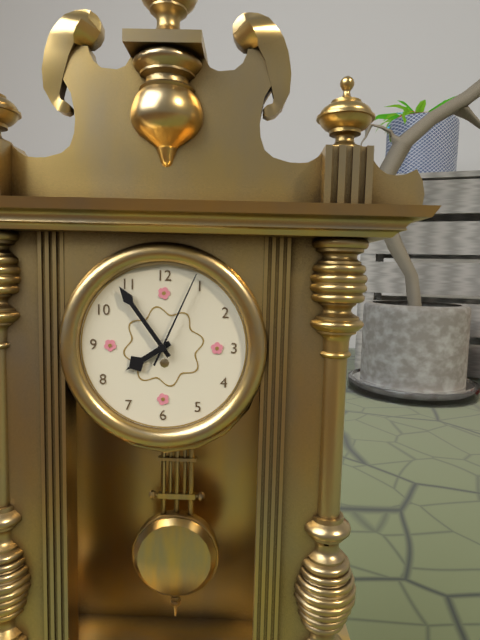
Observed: h=7 m=54 s=4
